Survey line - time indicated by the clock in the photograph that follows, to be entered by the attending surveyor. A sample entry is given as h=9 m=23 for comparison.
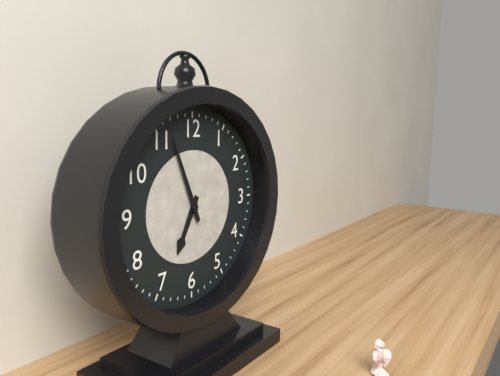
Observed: h=6 m=56
